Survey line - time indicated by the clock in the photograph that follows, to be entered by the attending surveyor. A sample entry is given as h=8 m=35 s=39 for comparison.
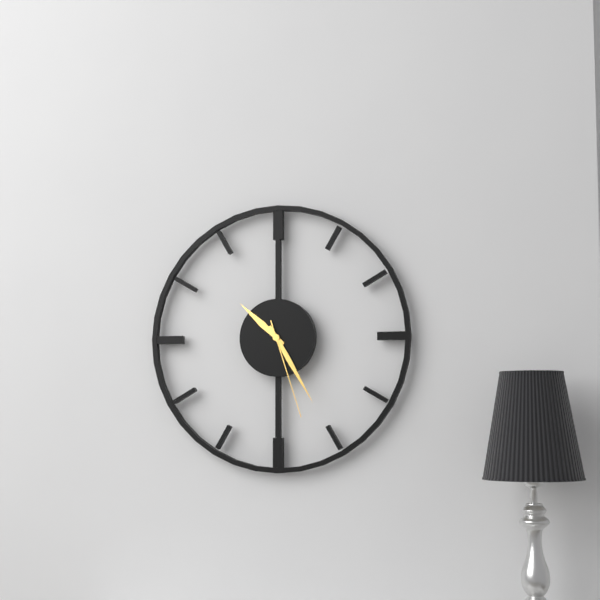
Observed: h=10 m=25 s=27
